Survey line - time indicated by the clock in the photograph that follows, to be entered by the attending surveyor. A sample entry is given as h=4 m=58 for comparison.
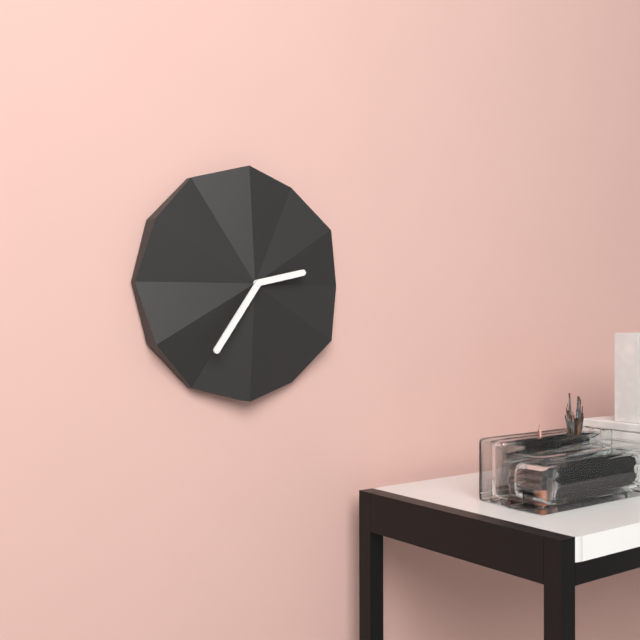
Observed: h=2 m=36
